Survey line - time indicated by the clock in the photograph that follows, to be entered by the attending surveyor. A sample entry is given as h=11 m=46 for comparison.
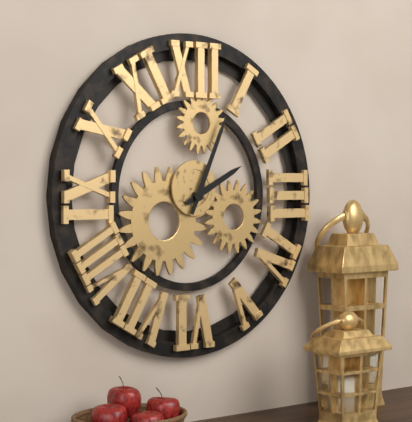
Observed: h=2 m=4
